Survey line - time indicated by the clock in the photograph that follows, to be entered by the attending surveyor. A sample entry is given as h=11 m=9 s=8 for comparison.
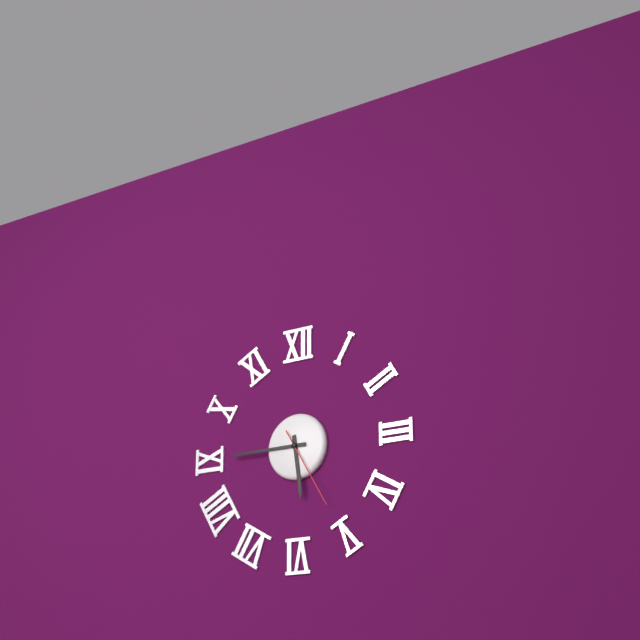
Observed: h=5 m=45 s=25
